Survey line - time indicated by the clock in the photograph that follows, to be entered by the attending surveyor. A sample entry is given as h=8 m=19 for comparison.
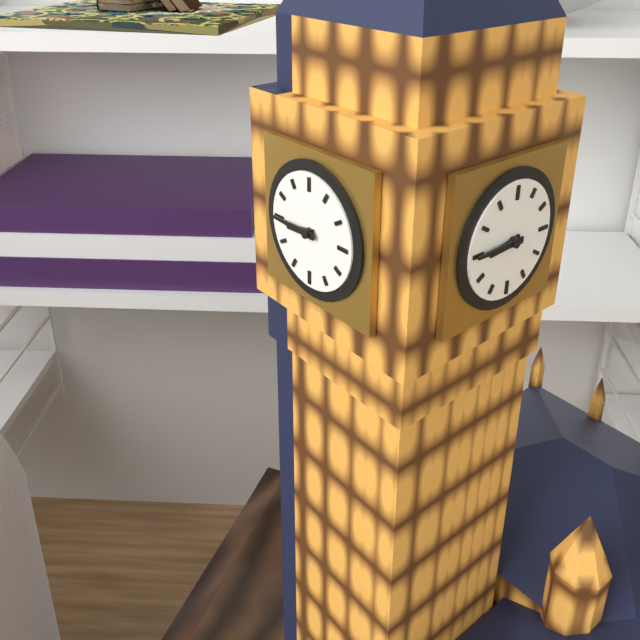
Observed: h=8 m=45
